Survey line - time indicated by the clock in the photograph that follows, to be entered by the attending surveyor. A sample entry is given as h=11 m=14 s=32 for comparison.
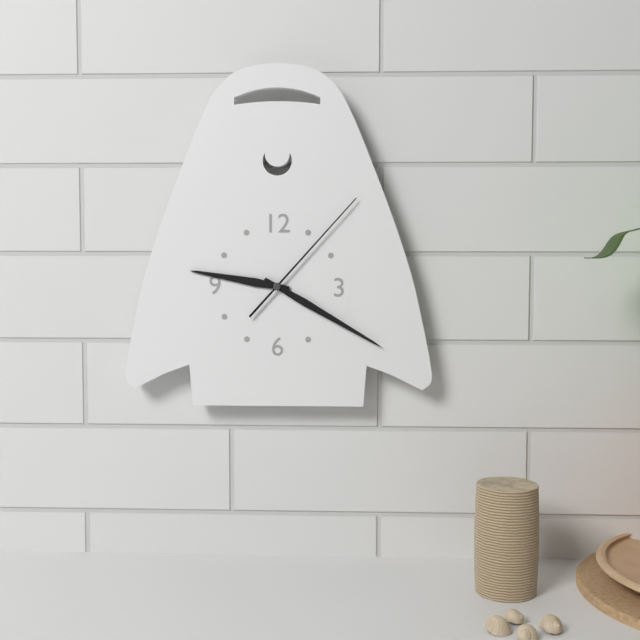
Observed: h=9 m=20 s=7
